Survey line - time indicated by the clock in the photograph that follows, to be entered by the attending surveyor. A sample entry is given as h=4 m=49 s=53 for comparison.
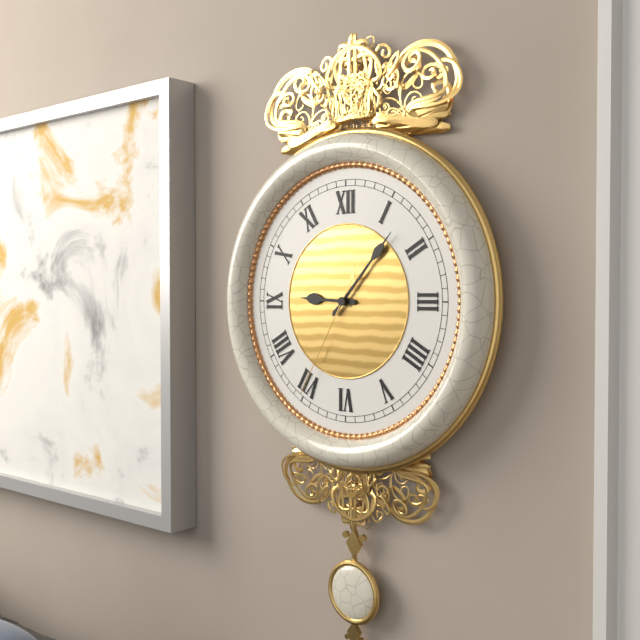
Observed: h=9 m=7 s=35
